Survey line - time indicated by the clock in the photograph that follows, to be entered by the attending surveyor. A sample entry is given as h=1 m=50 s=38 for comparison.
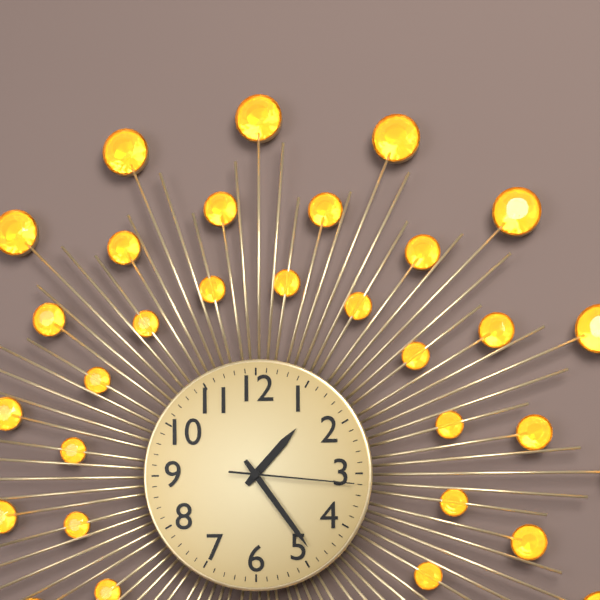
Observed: h=1 m=24 s=16
